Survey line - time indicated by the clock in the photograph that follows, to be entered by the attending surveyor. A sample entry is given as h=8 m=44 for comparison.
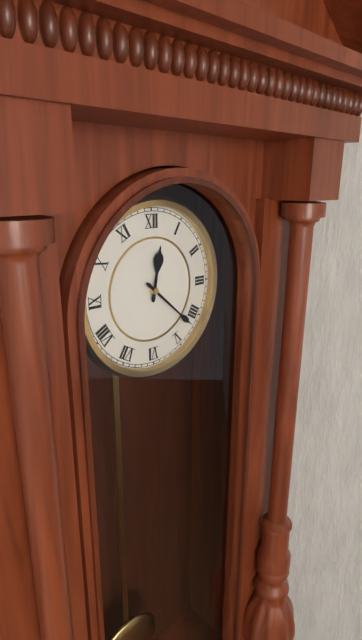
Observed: h=12 m=22
